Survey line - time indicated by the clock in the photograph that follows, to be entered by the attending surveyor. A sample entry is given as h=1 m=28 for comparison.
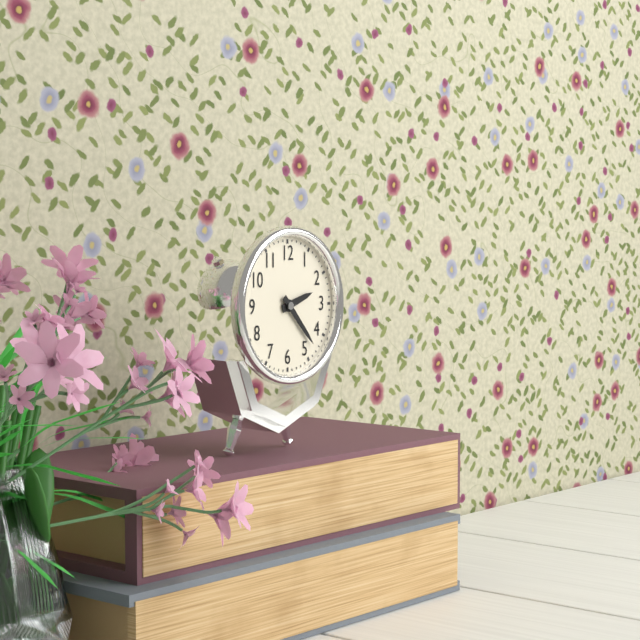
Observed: h=2 m=23
